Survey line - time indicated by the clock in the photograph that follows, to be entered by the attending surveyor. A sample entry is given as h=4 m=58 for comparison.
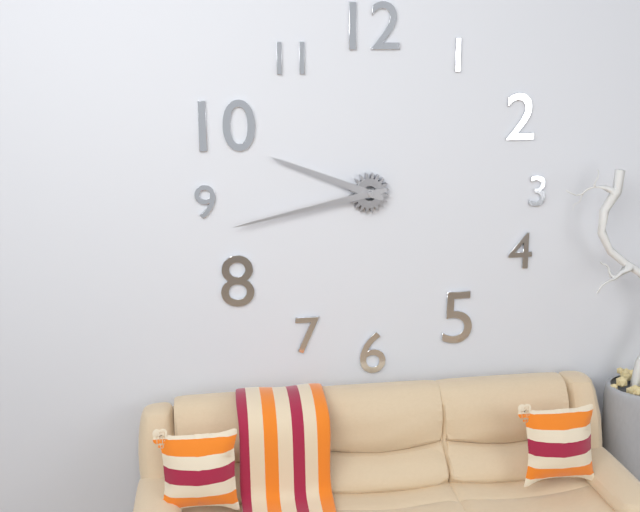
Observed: h=9 m=43
